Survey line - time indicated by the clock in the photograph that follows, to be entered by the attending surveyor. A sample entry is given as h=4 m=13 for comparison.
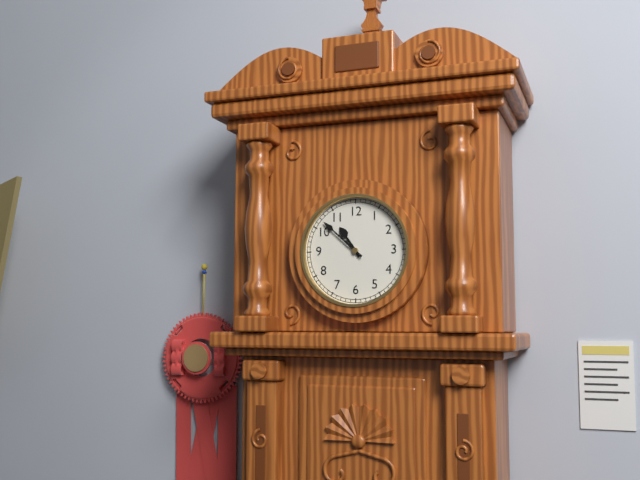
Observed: h=10 m=52
